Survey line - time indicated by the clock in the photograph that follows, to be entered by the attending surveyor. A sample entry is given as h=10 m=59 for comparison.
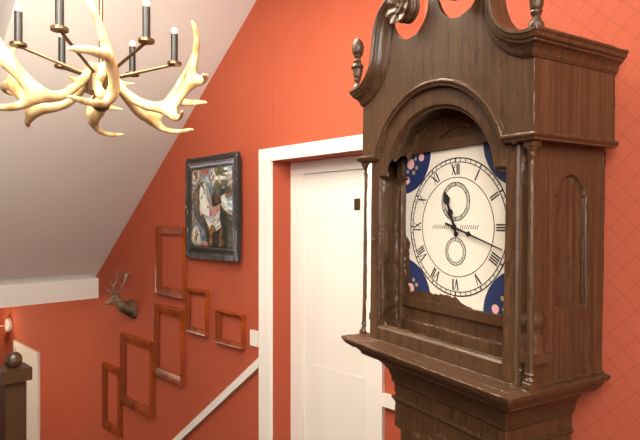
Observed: h=11 m=18
